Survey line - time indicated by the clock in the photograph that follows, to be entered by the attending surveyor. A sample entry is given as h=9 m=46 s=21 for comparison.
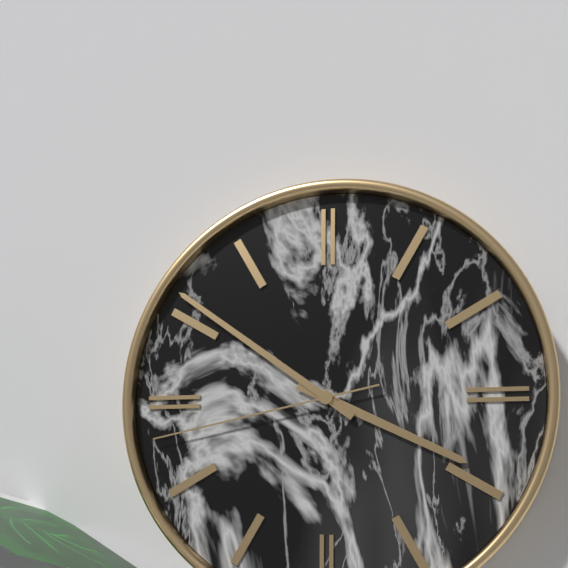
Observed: h=3 m=51 s=43
